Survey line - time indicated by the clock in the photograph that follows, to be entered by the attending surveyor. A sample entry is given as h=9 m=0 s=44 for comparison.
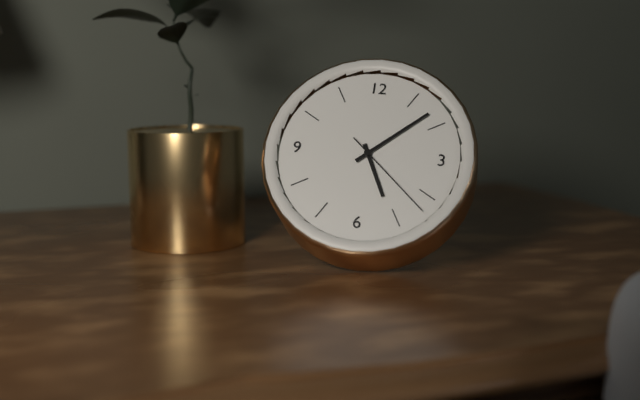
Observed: h=5 m=8 s=22
